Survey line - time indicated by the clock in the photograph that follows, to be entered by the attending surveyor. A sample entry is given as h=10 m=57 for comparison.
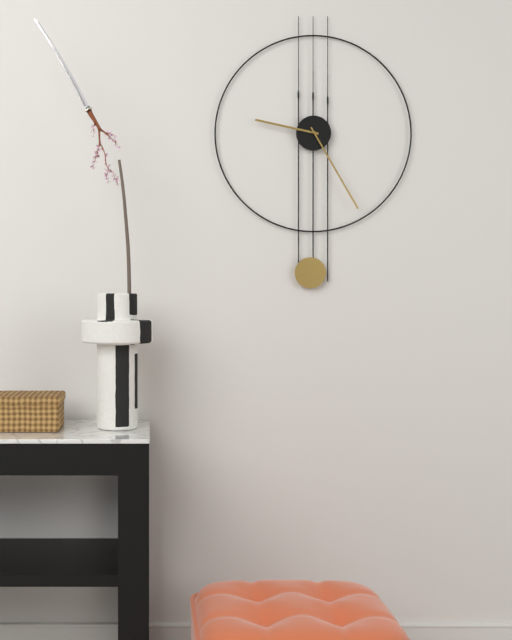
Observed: h=9 m=25
